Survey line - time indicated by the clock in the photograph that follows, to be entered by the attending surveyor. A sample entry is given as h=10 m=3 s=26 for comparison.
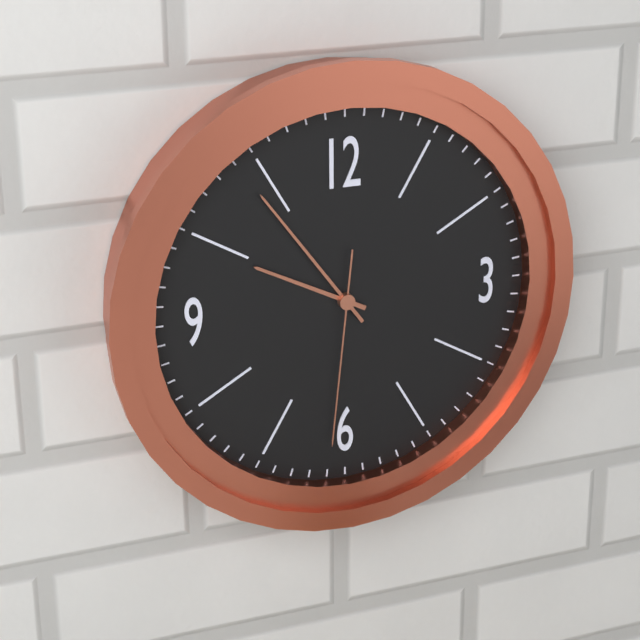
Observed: h=9 m=54 s=31
